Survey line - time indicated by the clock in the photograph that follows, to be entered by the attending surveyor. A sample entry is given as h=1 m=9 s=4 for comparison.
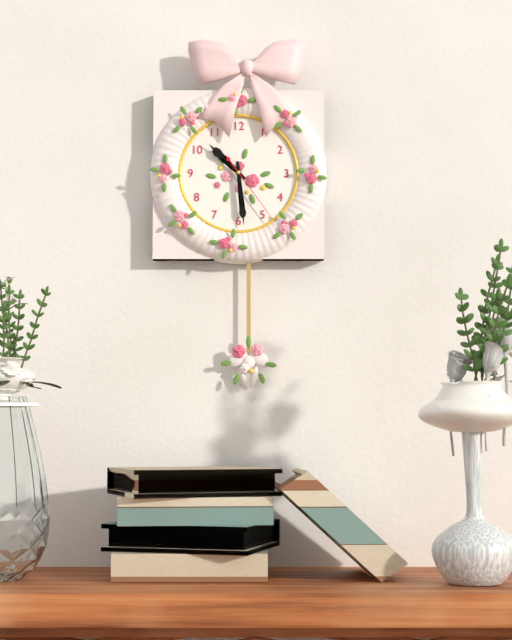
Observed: h=10 m=29 s=24
